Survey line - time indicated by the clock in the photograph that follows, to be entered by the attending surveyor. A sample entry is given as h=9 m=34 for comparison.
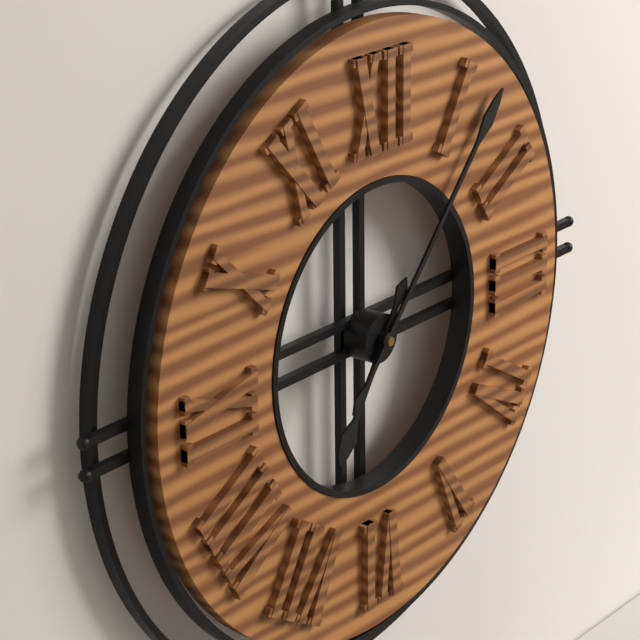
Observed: h=7 m=7
